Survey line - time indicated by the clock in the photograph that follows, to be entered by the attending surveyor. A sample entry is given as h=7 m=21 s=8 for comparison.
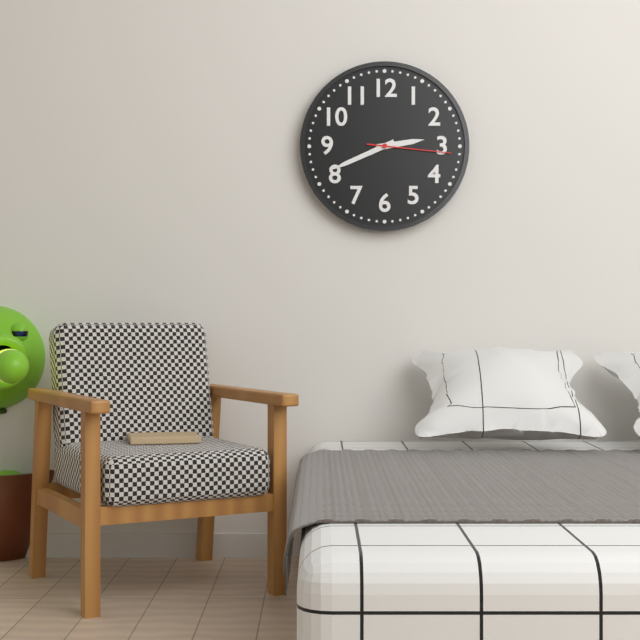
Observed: h=2 m=41 s=16
